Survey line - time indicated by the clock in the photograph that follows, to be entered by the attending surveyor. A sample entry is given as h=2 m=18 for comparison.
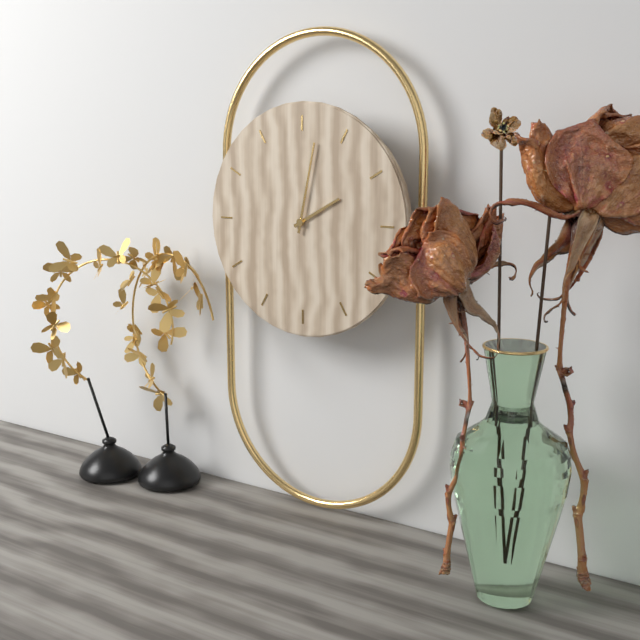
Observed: h=2 m=2
